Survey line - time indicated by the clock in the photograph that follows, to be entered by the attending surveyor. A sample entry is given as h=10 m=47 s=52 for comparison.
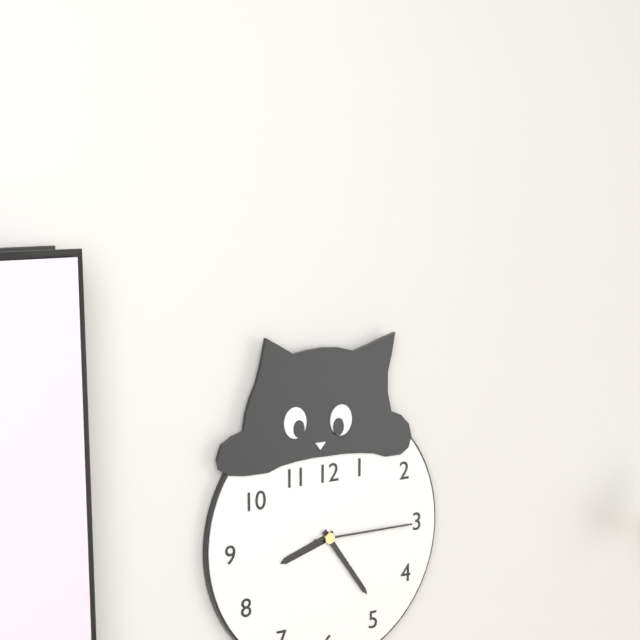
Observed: h=8 m=24 s=15
